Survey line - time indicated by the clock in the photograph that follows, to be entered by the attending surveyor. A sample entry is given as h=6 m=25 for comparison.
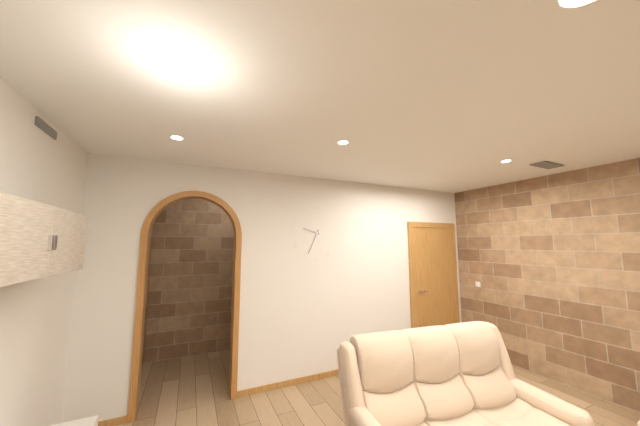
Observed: h=9 m=34
